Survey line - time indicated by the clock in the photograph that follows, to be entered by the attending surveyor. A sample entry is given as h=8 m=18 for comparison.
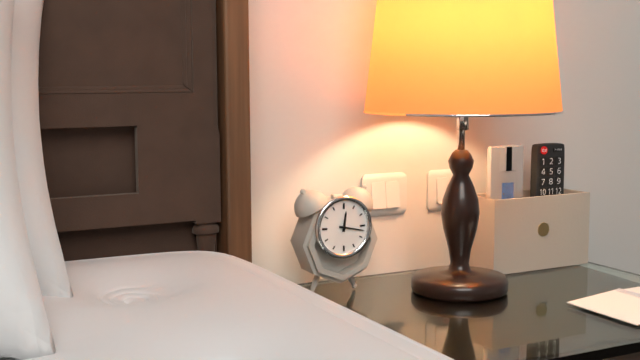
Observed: h=12 m=17
